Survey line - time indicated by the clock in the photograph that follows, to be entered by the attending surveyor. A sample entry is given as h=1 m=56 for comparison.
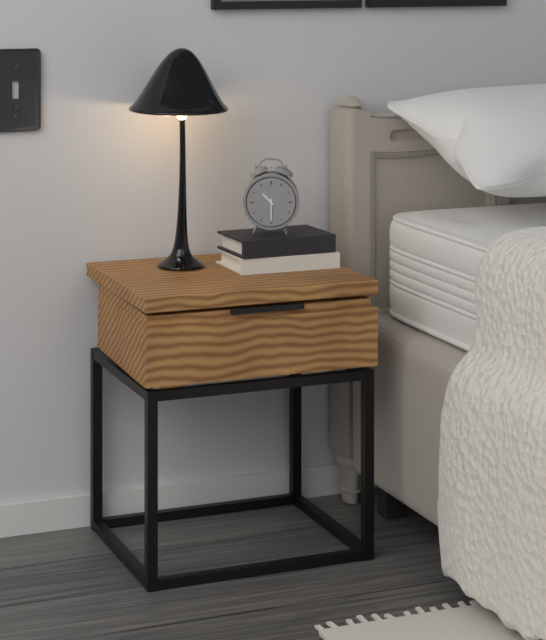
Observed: h=10 m=30
